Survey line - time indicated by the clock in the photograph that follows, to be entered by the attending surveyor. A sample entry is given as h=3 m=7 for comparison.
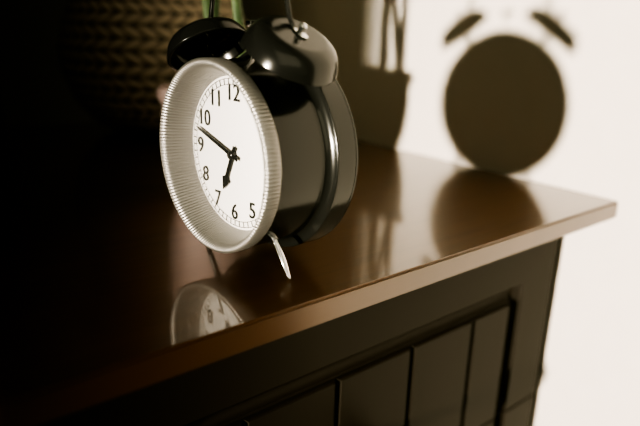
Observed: h=6 m=48
